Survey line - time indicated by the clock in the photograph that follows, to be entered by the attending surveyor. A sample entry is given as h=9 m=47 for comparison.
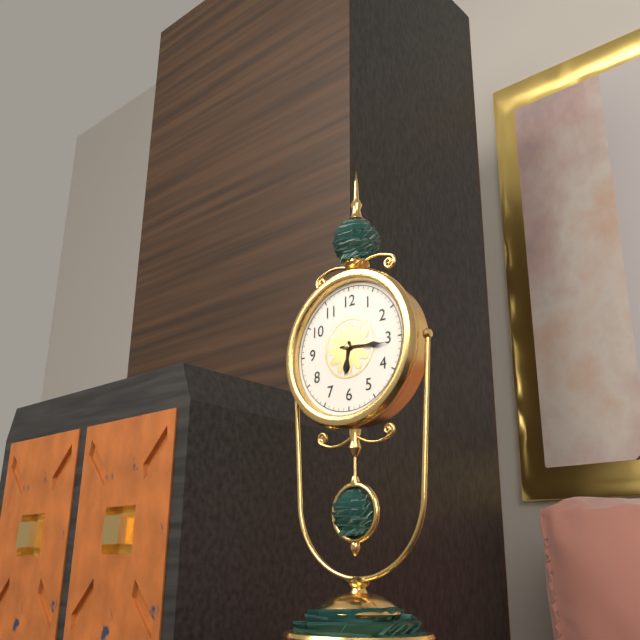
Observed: h=6 m=16
